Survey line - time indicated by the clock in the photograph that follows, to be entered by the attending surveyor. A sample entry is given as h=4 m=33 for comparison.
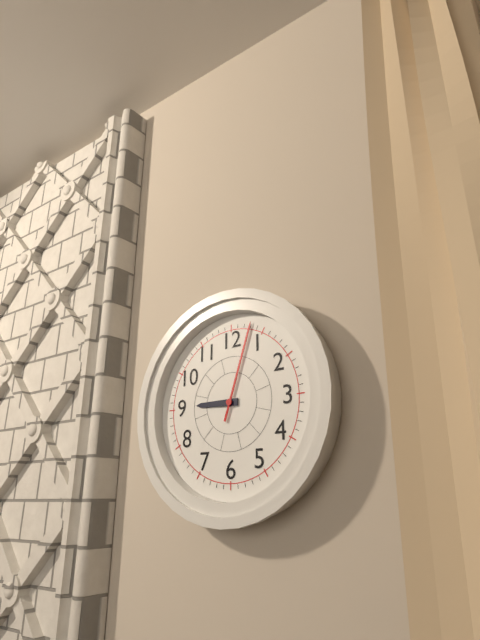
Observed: h=9 m=3
